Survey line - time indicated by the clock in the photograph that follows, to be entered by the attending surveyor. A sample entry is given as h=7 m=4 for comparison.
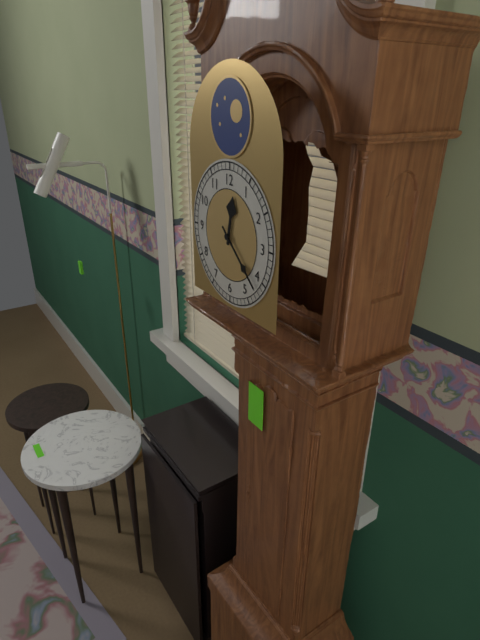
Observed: h=12 m=22
